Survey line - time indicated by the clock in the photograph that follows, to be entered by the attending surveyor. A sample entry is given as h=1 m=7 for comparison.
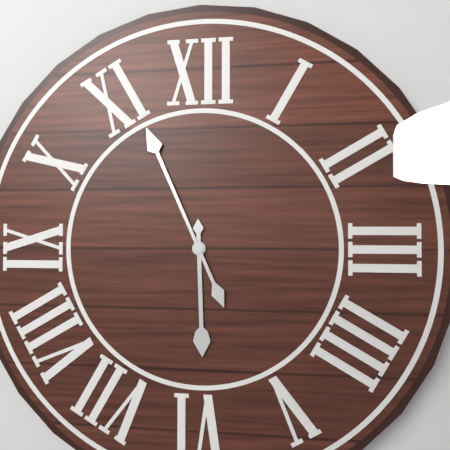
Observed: h=5 m=56
